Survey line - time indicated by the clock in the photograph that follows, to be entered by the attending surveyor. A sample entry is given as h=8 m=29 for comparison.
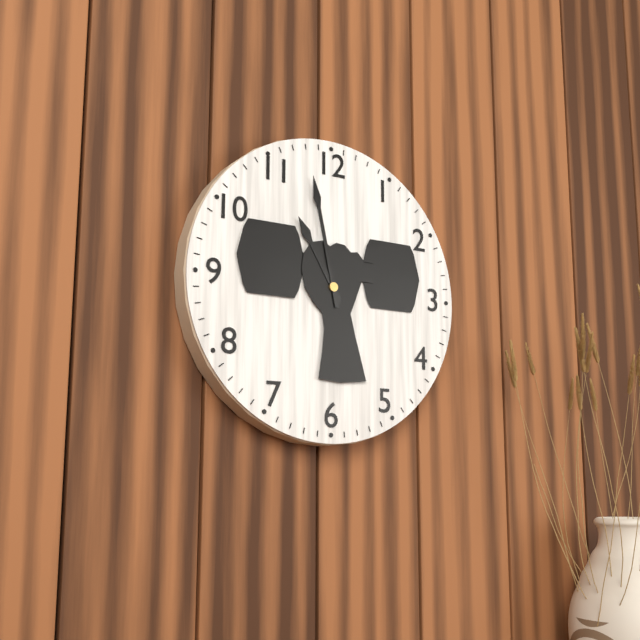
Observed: h=10 m=58
